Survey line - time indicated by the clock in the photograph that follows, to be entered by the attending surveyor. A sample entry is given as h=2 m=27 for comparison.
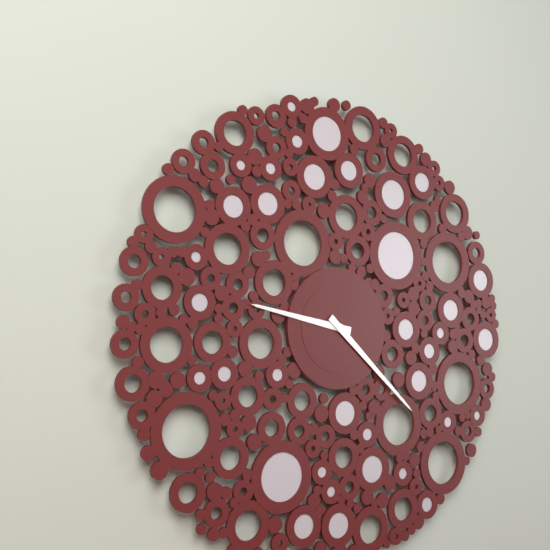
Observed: h=9 m=22
